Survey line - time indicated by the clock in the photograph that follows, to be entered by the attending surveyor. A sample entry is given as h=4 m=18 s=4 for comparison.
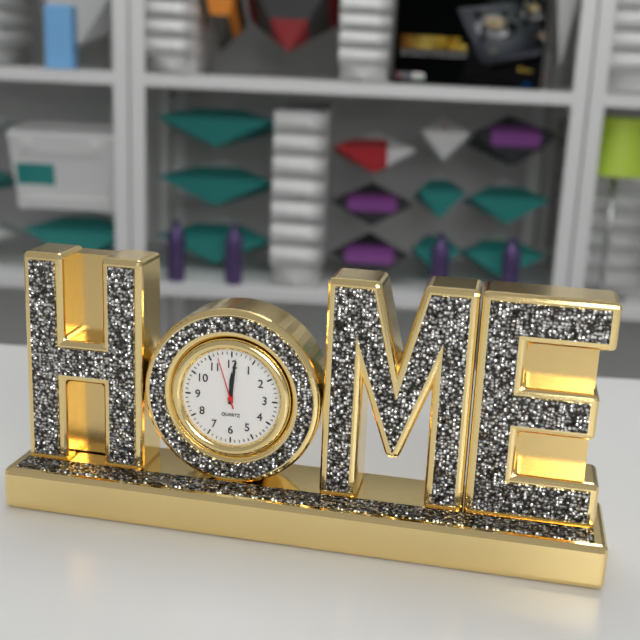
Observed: h=12 m=1 s=57
